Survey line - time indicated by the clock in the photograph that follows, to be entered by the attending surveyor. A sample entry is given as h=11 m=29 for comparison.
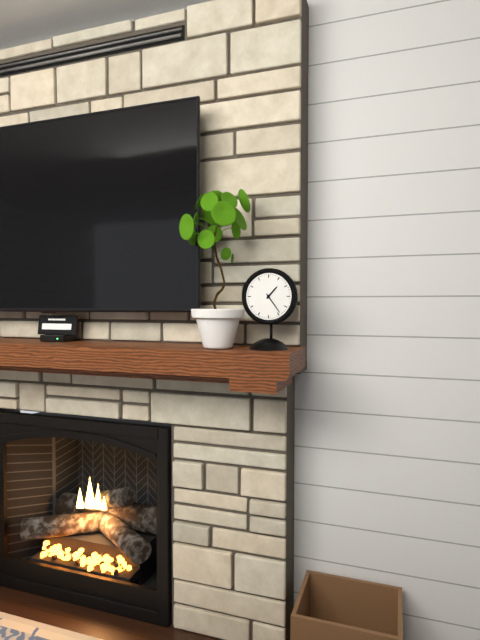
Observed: h=1 m=24
